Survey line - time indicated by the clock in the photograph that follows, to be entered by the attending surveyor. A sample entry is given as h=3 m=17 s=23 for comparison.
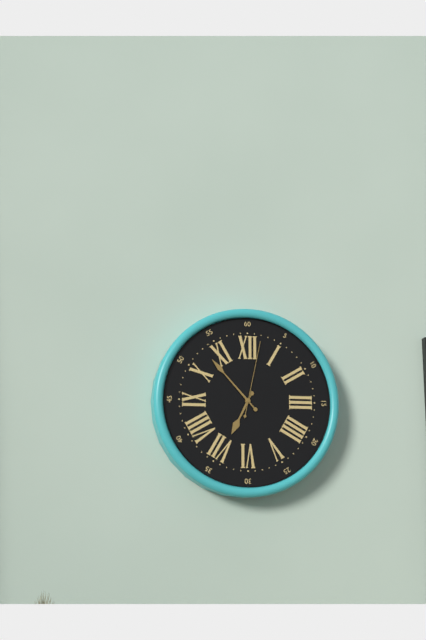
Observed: h=6 m=53 s=2
